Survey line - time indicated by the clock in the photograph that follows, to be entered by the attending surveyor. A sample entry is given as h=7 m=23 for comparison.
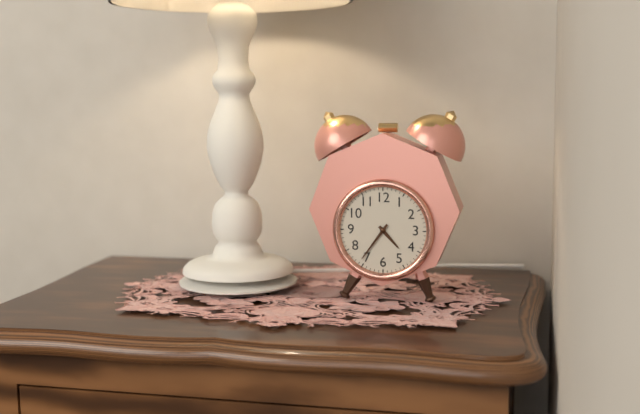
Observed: h=4 m=36
